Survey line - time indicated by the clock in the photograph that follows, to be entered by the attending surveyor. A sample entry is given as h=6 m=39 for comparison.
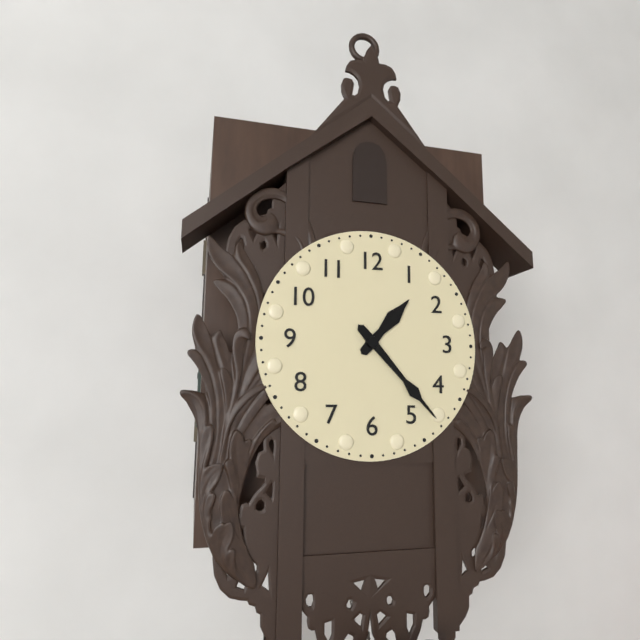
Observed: h=1 m=23
